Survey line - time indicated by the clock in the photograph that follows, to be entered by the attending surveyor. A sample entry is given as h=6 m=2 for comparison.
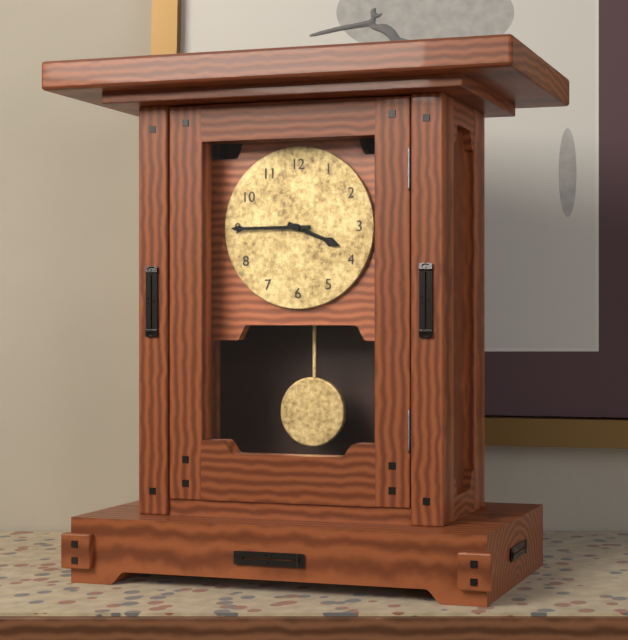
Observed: h=3 m=45
